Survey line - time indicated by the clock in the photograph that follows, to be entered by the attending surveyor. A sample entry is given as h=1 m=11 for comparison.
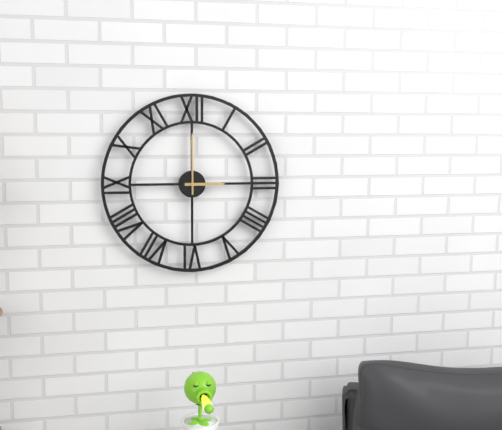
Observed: h=3 m=0
